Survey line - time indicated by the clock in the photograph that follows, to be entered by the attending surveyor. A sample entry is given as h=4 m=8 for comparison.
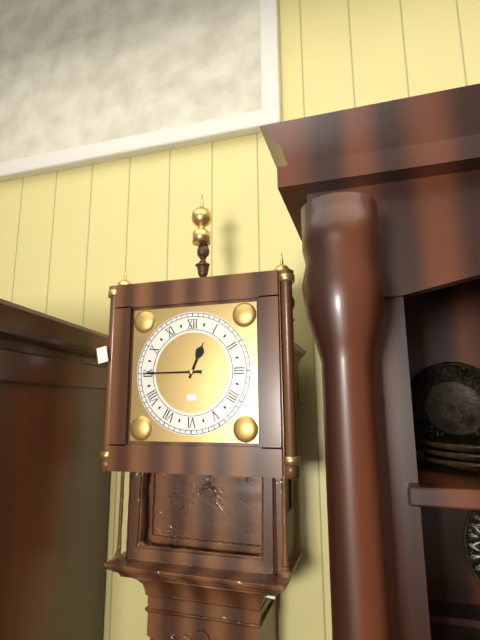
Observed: h=12 m=45
